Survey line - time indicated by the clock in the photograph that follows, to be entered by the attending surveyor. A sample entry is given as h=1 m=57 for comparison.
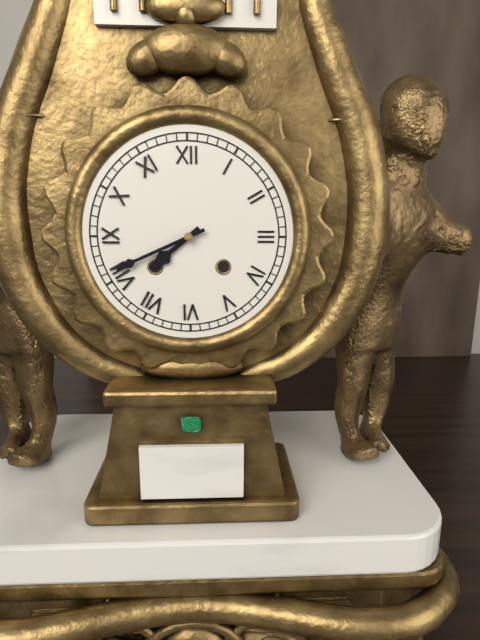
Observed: h=7 m=41
